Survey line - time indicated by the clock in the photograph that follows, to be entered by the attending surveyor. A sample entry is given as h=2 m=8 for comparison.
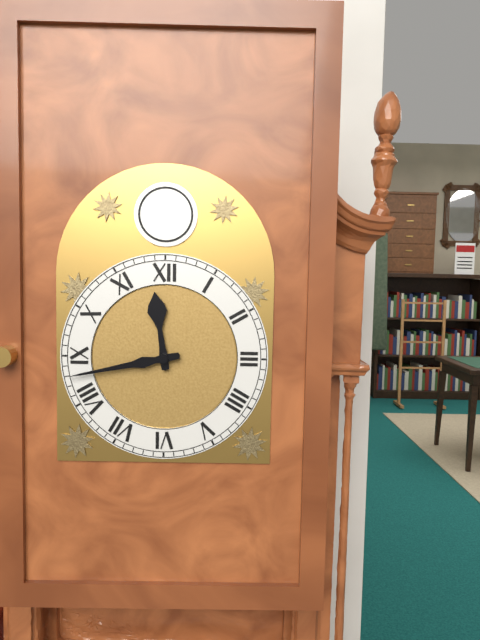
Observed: h=11 m=43
